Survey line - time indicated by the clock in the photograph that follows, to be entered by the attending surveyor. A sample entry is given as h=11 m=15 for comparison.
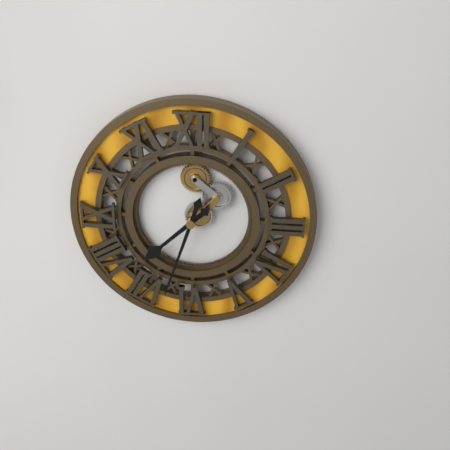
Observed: h=7 m=33
